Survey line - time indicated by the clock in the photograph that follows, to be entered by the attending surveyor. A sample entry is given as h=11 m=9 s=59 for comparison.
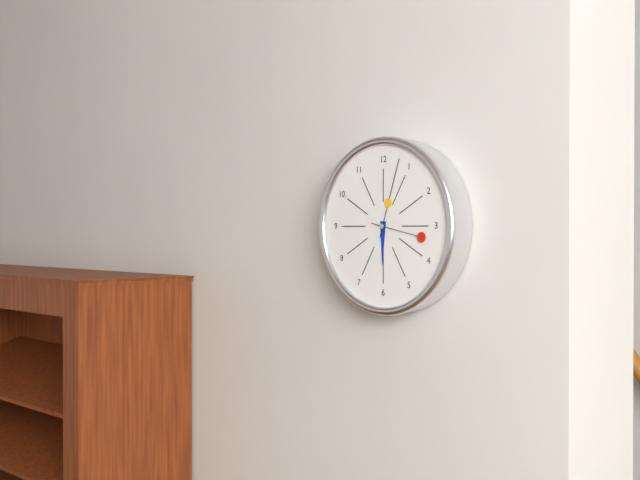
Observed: h=6 m=3 s=17
